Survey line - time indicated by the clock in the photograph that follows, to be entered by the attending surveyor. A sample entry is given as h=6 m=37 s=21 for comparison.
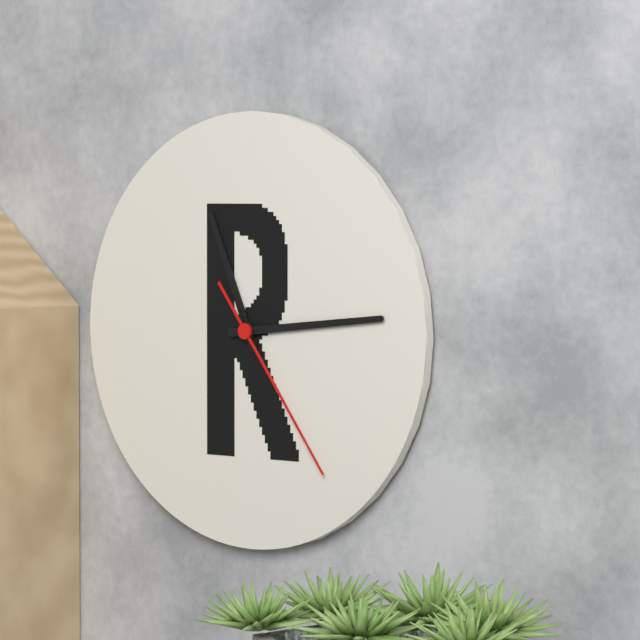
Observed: h=11 m=14 s=24
